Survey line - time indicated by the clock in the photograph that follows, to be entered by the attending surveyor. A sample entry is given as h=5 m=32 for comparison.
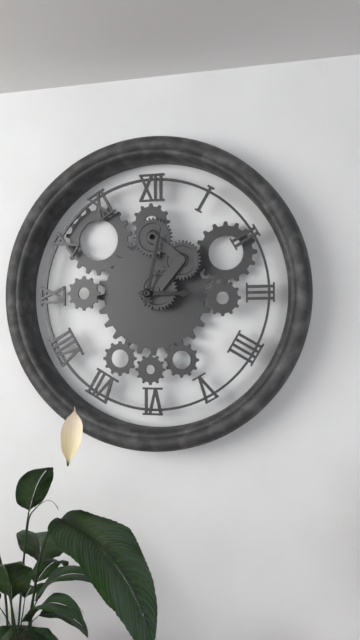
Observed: h=3 m=2
